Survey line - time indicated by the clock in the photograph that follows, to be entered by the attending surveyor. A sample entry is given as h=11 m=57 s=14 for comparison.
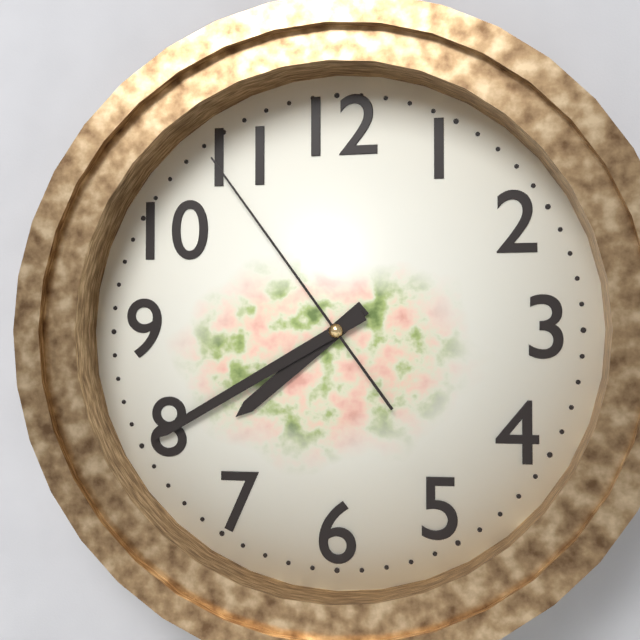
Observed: h=7 m=40 s=54
